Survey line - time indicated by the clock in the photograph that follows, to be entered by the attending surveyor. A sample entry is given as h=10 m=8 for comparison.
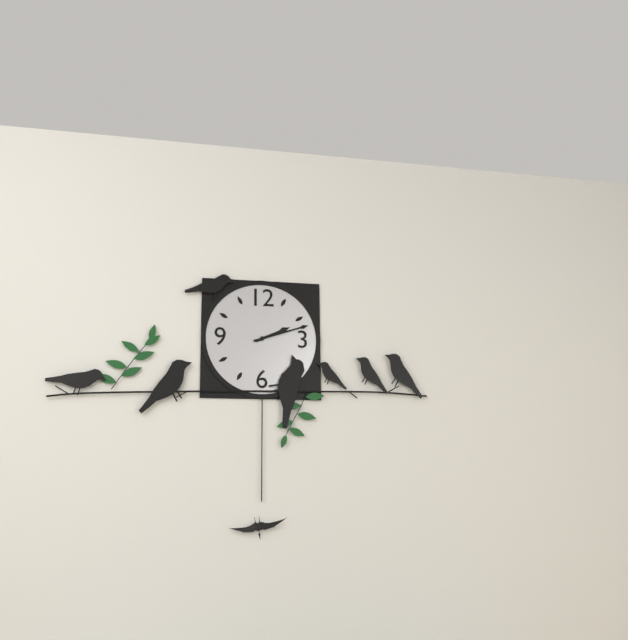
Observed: h=2 m=12
